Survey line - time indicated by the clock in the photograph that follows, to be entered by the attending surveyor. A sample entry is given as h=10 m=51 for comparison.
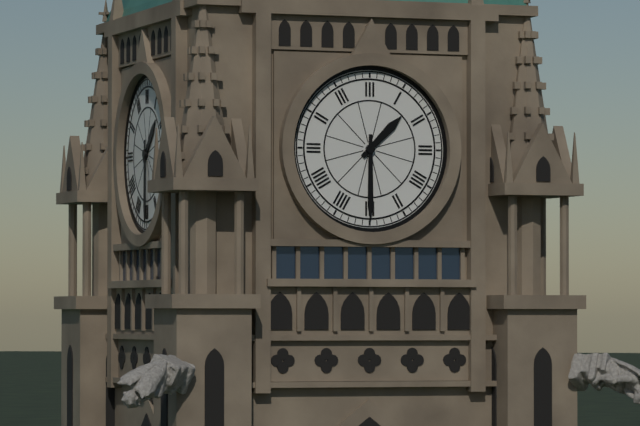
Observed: h=1 m=30
